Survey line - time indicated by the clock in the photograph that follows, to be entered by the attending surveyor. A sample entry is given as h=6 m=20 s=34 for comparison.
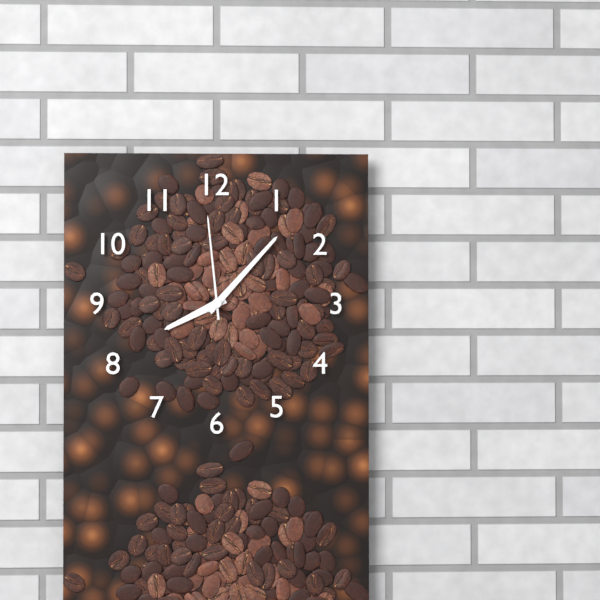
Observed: h=8 m=7 s=59
